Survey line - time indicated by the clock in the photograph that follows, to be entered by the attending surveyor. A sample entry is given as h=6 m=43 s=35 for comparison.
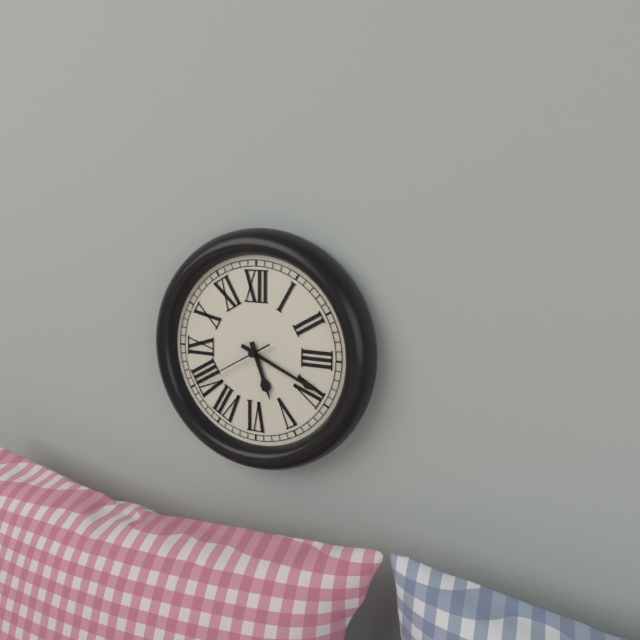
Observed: h=5 m=19 s=40
